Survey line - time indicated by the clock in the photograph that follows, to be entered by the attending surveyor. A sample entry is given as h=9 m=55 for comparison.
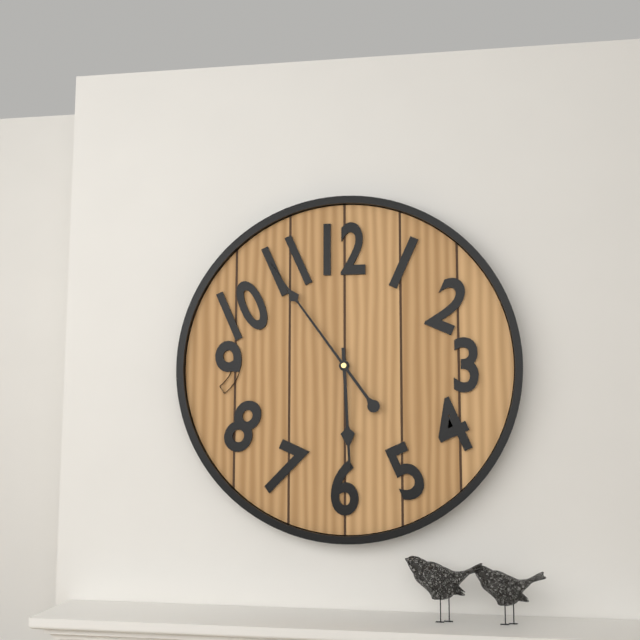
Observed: h=5 m=54
